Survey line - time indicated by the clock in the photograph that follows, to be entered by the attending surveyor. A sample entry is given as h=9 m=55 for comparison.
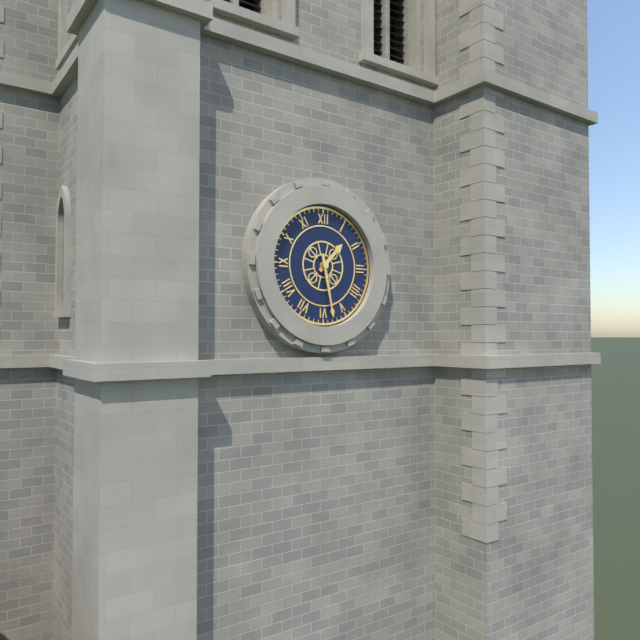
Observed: h=1 m=28
